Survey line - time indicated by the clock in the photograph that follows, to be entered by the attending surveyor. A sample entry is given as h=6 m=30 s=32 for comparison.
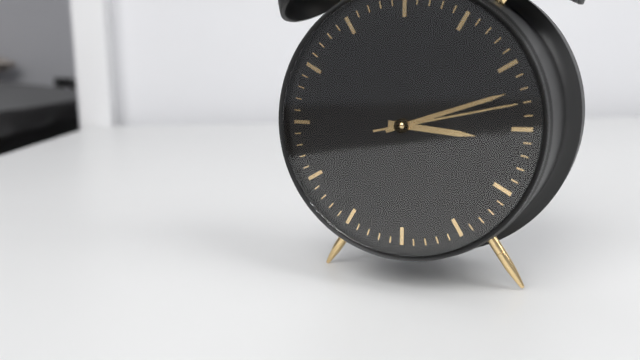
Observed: h=3 m=12 s=13
